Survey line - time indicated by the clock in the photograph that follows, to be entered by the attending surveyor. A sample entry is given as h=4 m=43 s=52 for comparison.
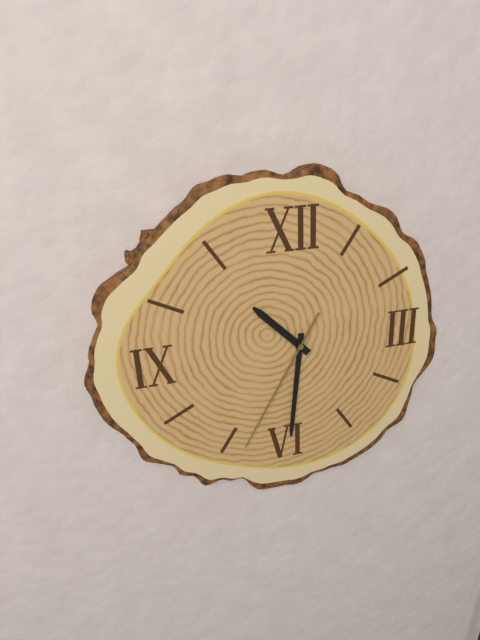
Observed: h=10 m=31 s=35
